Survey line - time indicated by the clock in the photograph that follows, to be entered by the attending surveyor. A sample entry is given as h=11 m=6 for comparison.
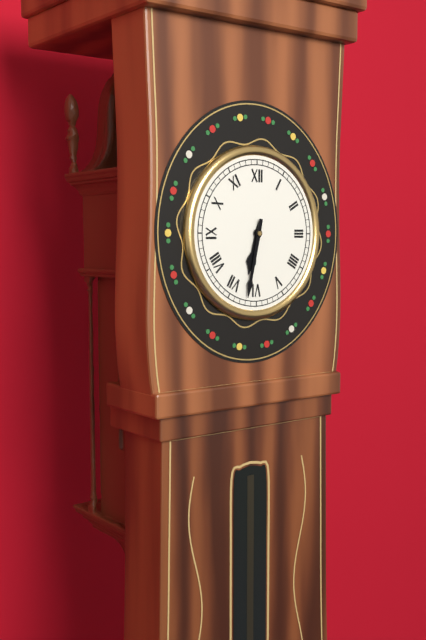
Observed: h=6 m=32
